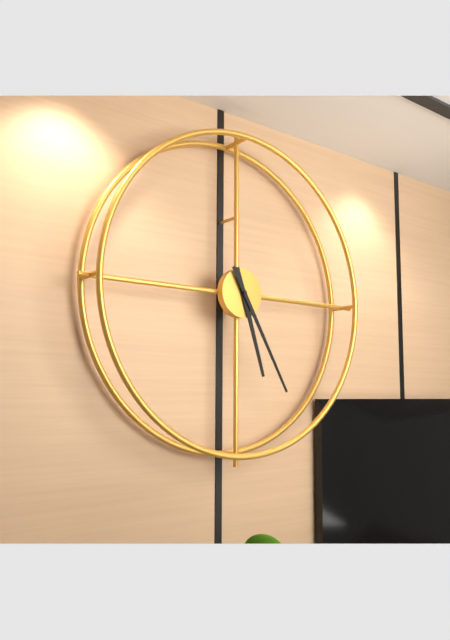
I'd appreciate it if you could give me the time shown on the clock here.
5:25
